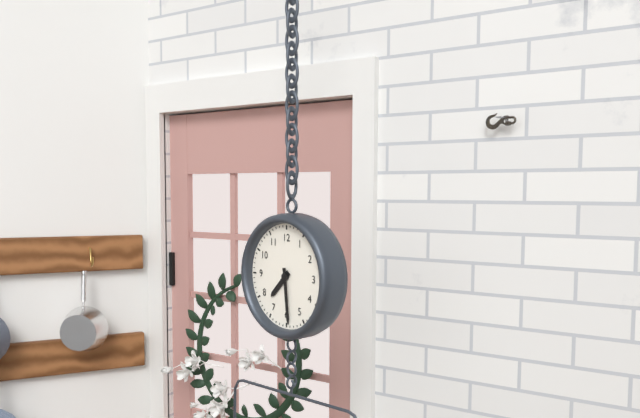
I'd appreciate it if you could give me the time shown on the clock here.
7:29
